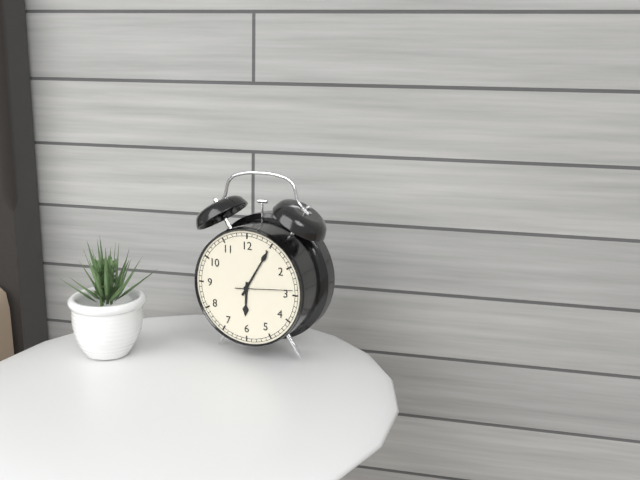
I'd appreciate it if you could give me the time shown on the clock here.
6:05
